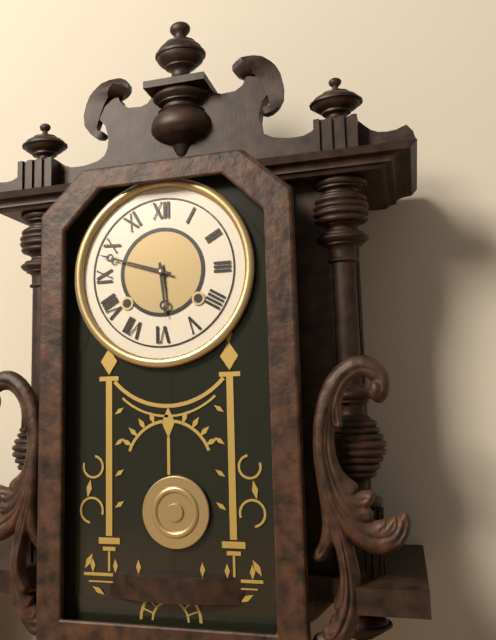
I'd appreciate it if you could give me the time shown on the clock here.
5:48
